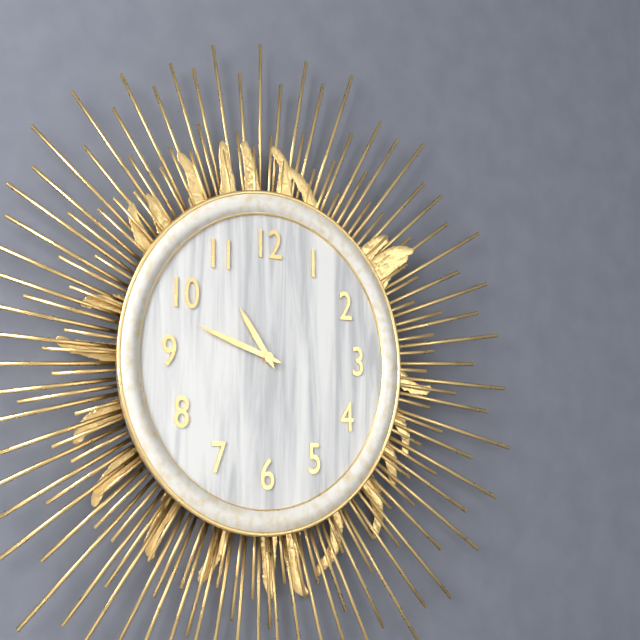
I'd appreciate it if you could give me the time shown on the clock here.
10:48
